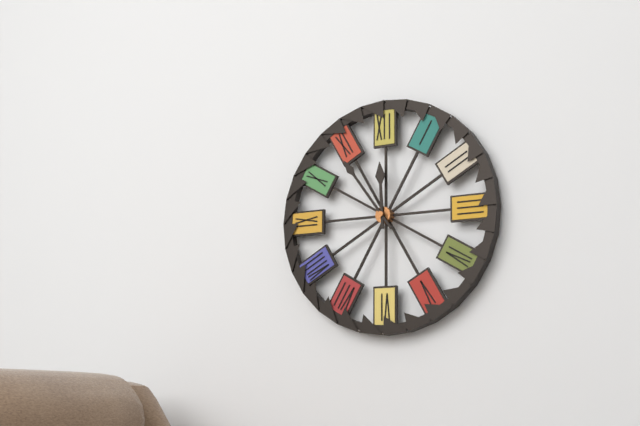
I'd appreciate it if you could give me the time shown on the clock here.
11:54
